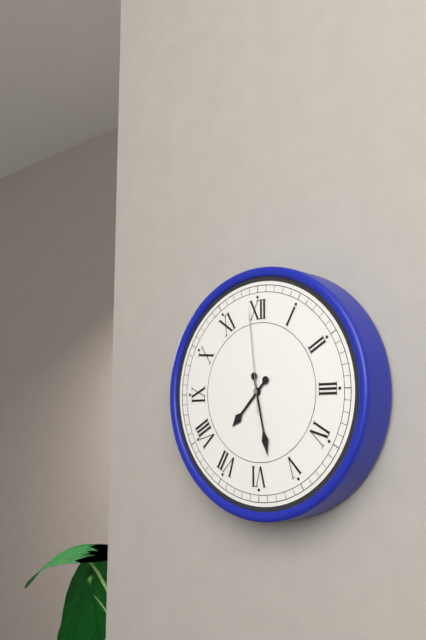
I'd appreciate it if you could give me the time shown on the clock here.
7:28:59
